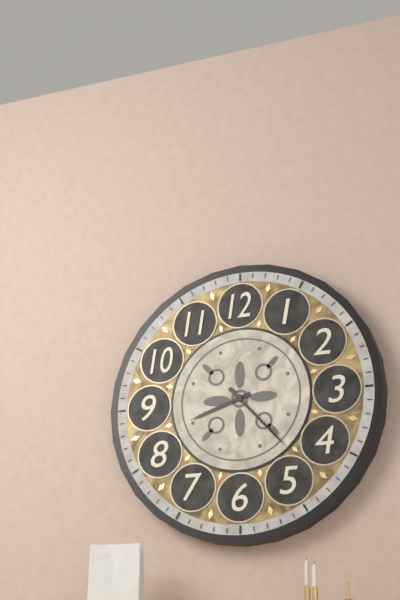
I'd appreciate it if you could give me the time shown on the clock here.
8:23
